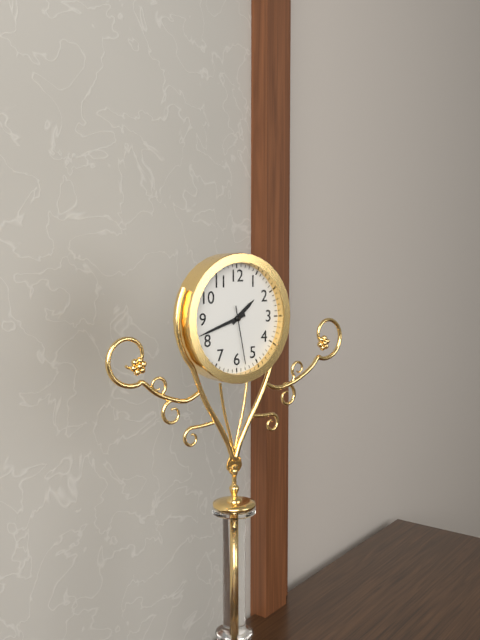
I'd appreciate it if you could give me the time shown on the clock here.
1:42:28
